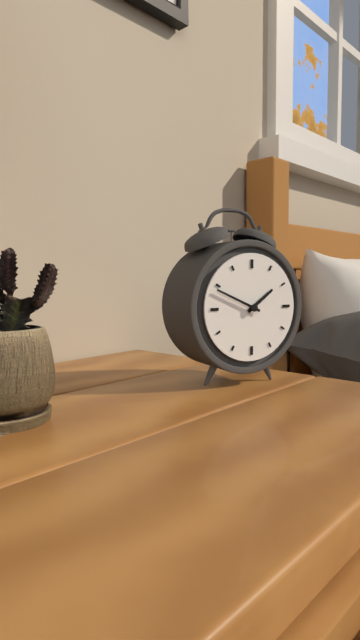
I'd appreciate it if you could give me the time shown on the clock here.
1:49
